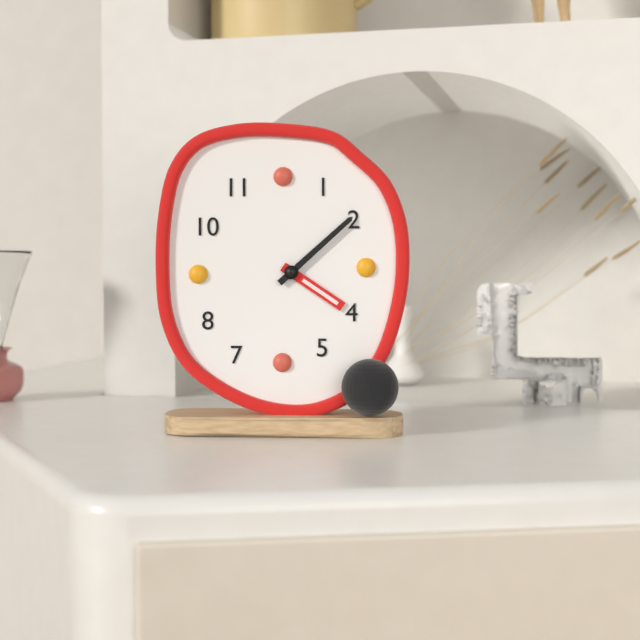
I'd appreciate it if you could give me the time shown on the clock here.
4:08
